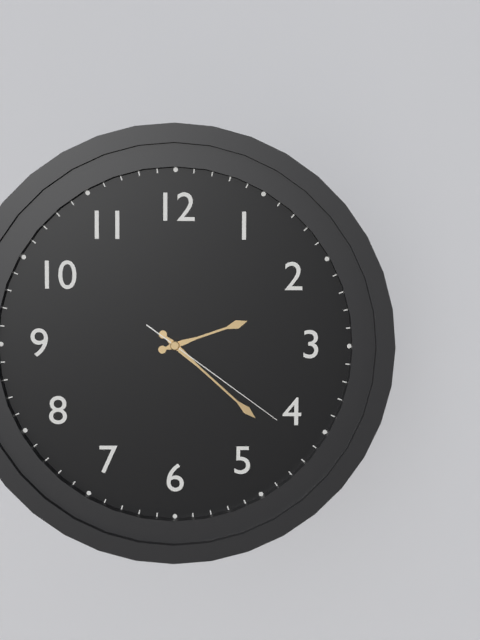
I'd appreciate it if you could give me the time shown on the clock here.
2:22:21
